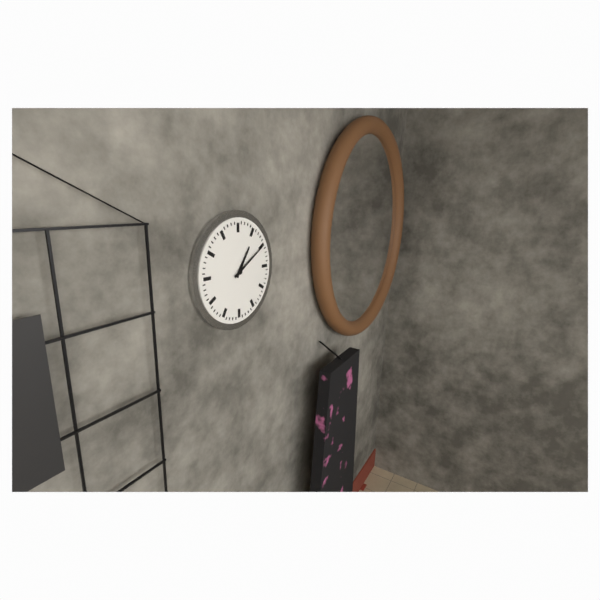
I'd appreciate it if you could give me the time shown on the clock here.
1:10
